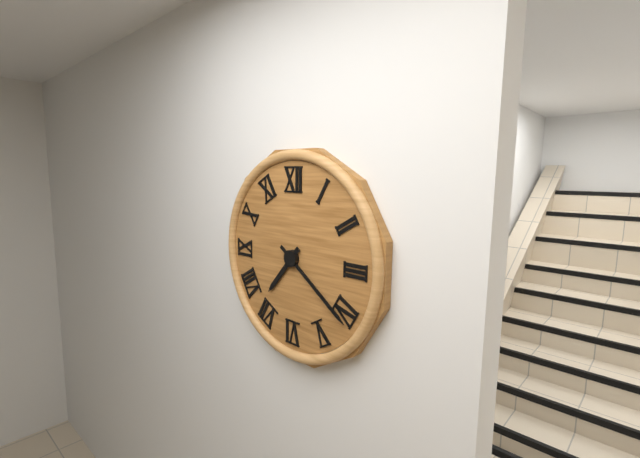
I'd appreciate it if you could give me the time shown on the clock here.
7:21
